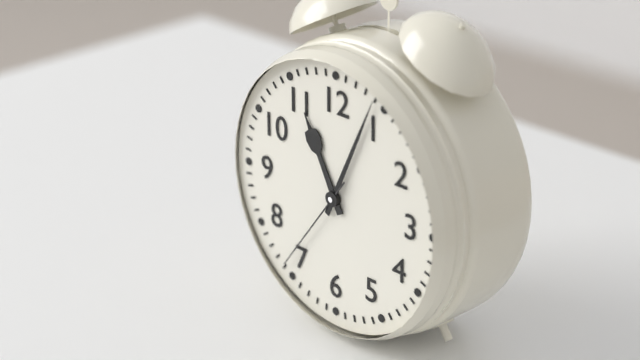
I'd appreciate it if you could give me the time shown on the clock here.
11:04:36
